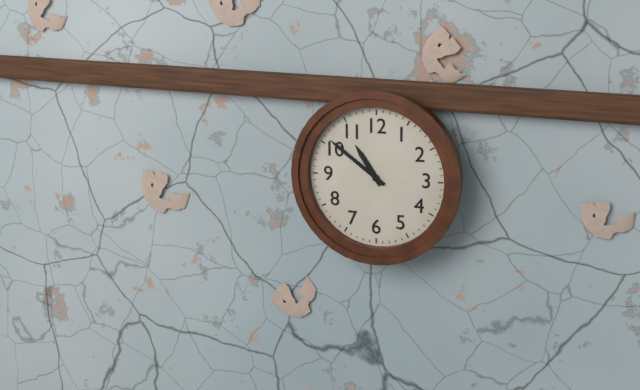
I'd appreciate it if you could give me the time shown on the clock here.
10:51
